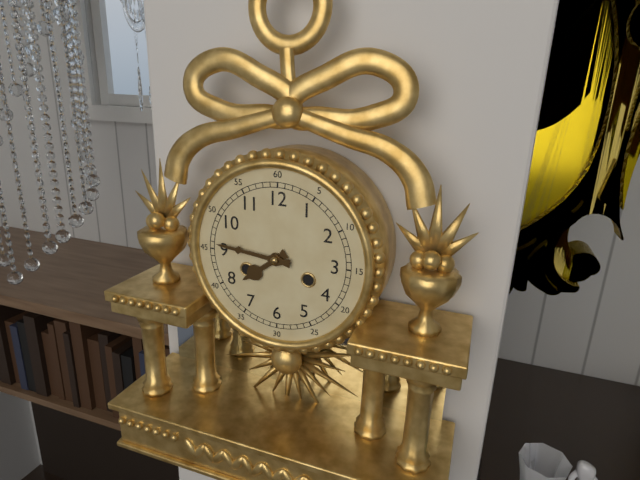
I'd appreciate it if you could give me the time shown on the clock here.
7:46
